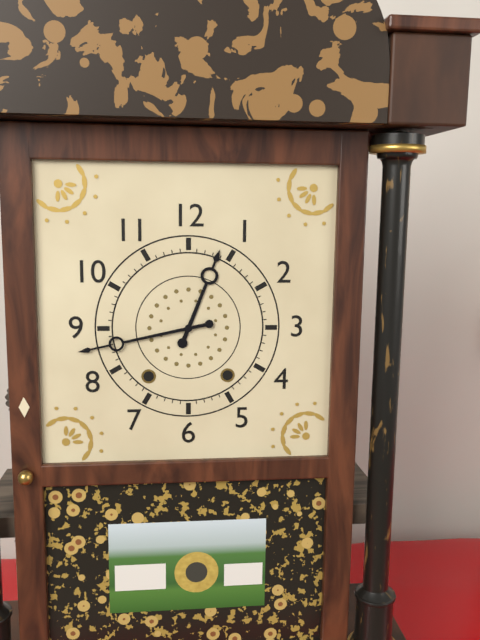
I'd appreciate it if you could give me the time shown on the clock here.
12:43
